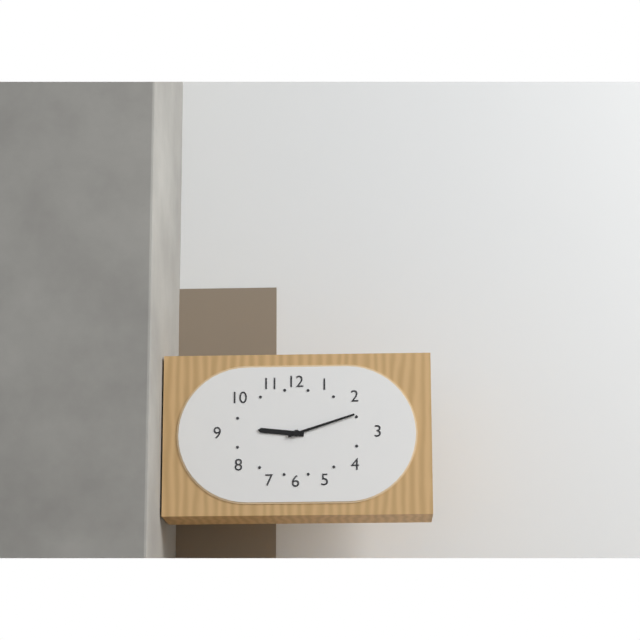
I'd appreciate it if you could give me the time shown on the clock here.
9:12
